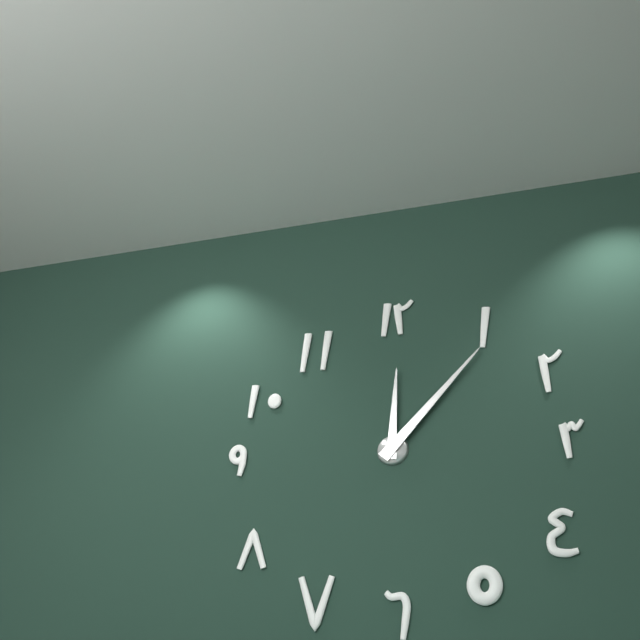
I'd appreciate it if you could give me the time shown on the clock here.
12:07
